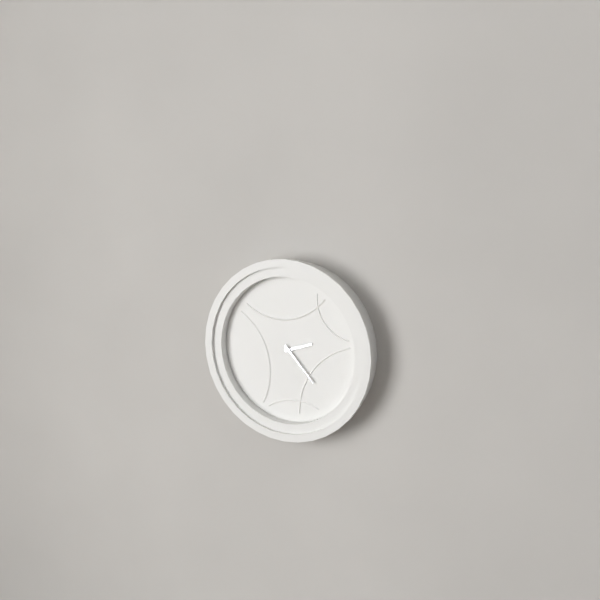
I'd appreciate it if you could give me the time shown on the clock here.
2:23
